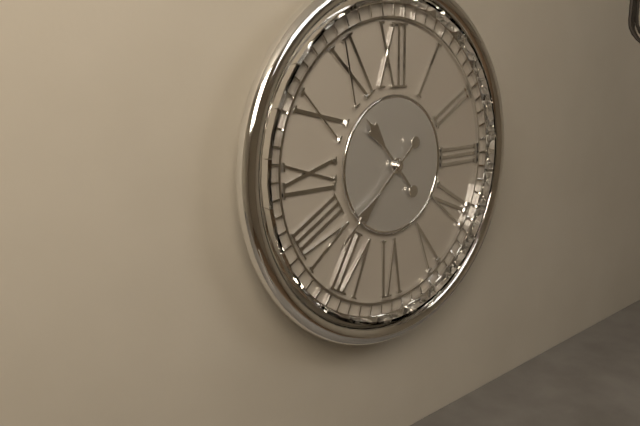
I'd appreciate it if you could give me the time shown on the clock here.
10:38
